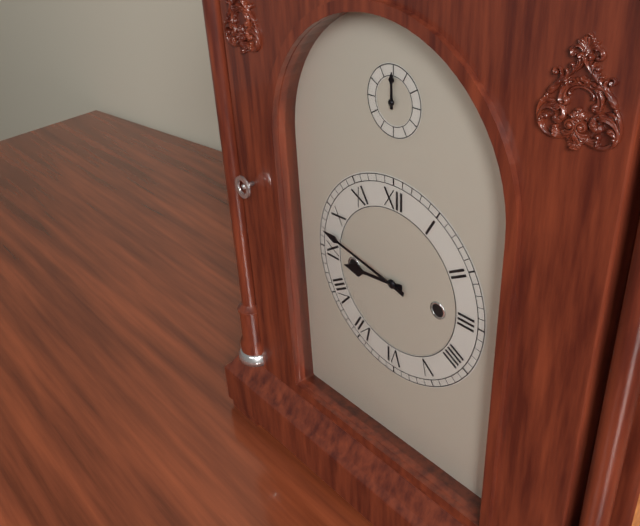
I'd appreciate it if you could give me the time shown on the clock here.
8:47
